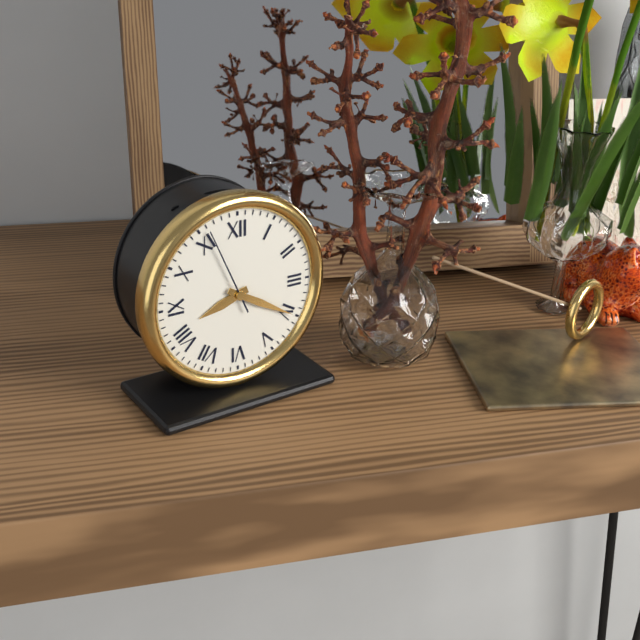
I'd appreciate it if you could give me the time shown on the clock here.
8:20:56
